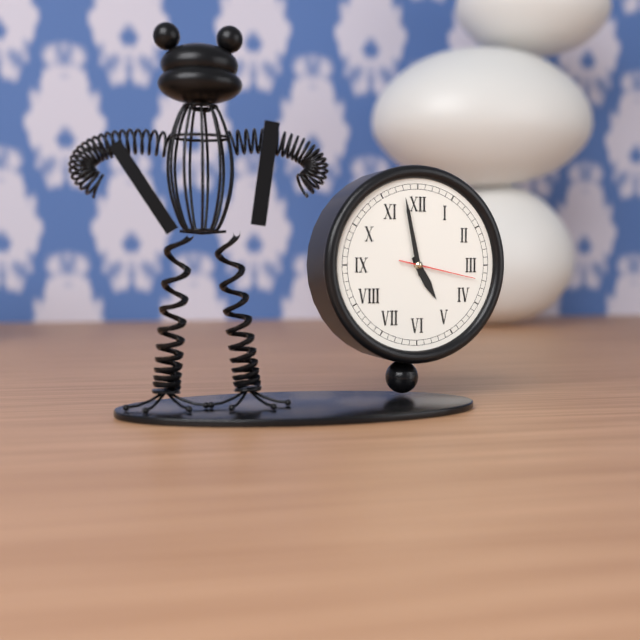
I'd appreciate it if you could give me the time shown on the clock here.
4:58:17
